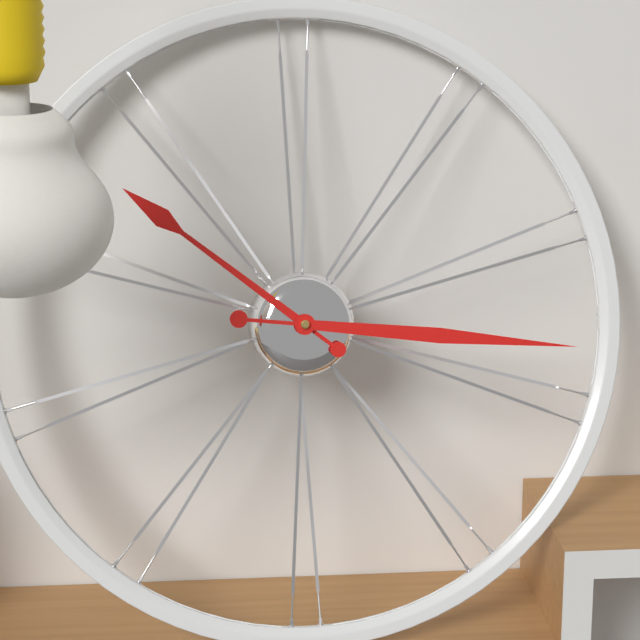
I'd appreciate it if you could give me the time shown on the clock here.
10:16
